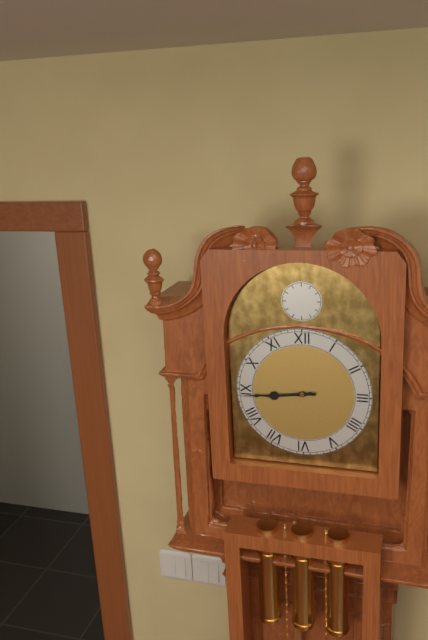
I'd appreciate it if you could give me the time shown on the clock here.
8:44
